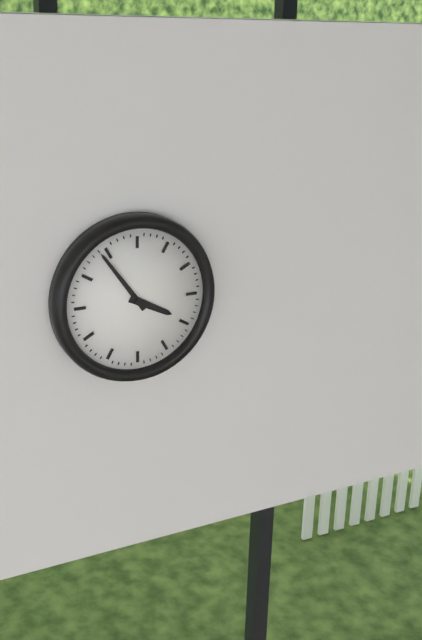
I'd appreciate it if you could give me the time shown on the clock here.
3:54
